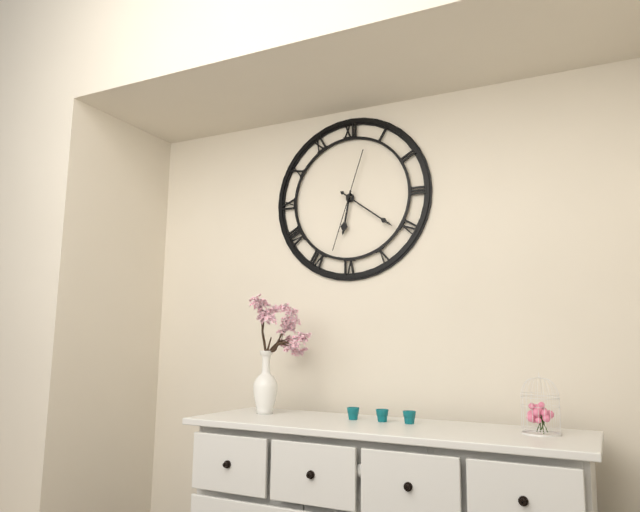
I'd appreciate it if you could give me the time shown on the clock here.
6:21:33
